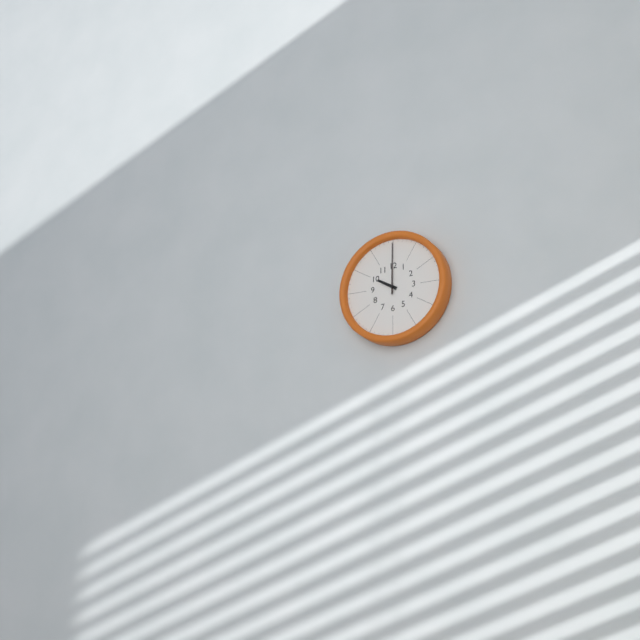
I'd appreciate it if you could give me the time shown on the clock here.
10:00
